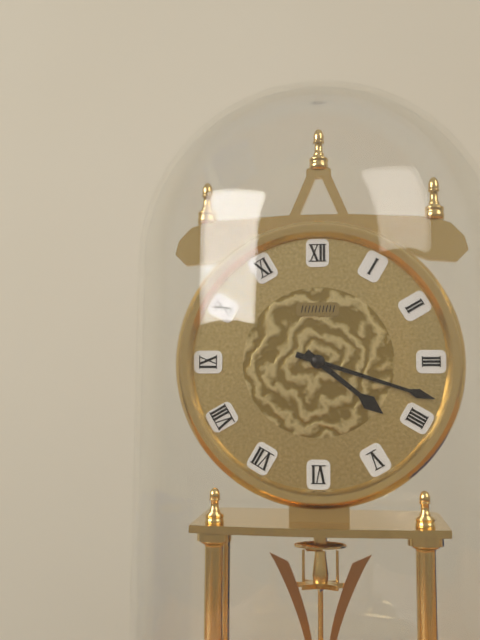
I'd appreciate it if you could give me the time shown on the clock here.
4:18
